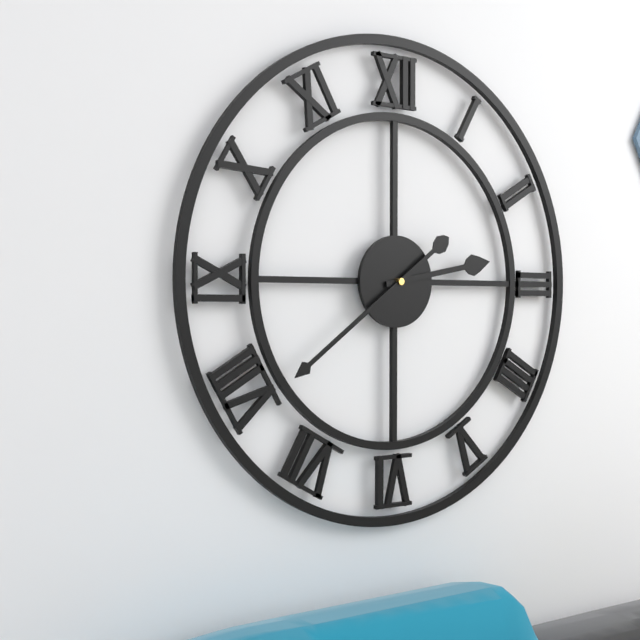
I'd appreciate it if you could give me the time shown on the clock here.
2:39
